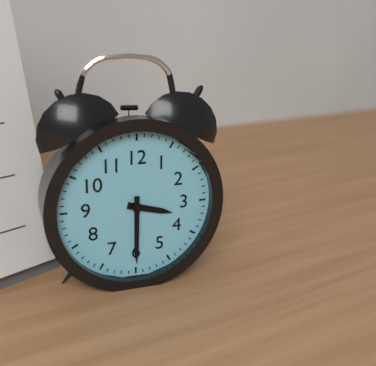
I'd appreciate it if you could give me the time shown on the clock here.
3:30
